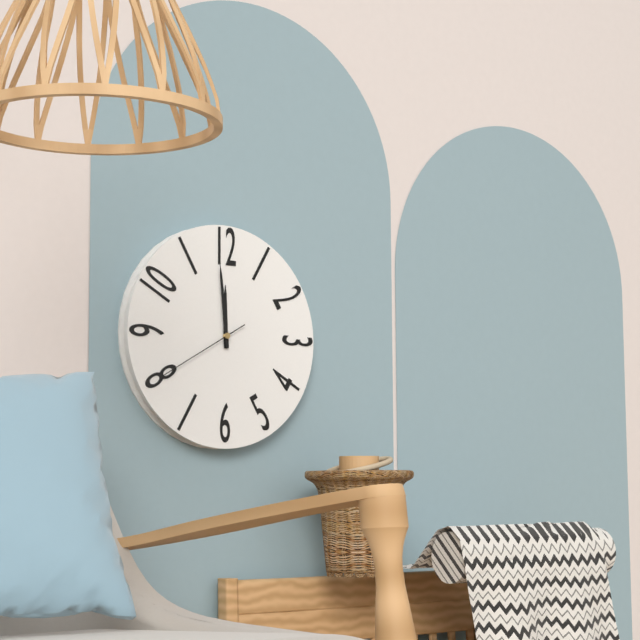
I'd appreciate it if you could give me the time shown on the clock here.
11:59:40
